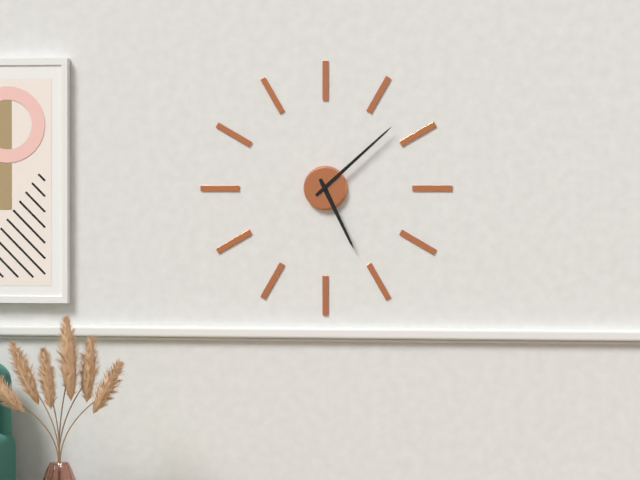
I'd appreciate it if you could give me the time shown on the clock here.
5:08
